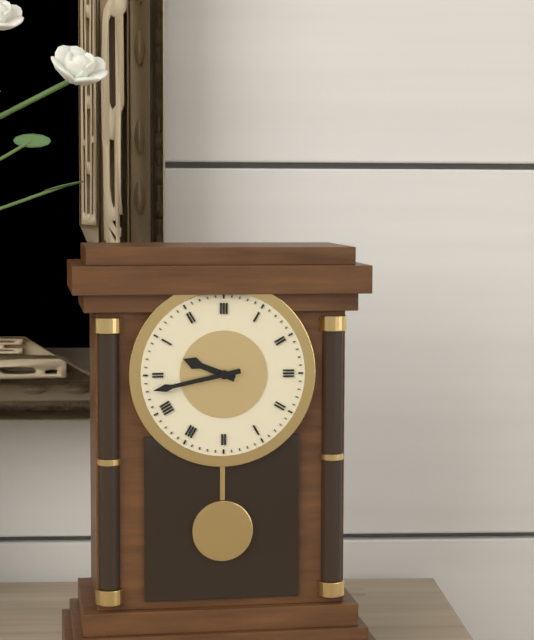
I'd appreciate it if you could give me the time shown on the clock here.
9:43
